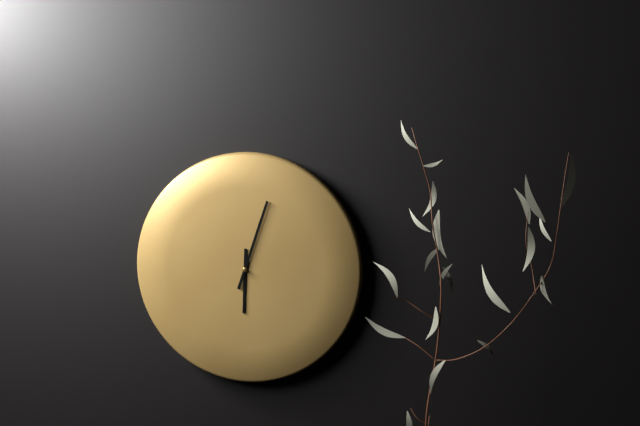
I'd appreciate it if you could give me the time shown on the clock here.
6:03
